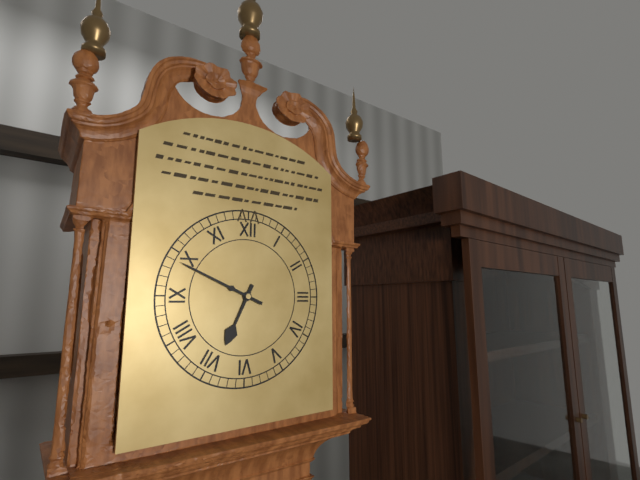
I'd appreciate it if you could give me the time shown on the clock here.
6:49
